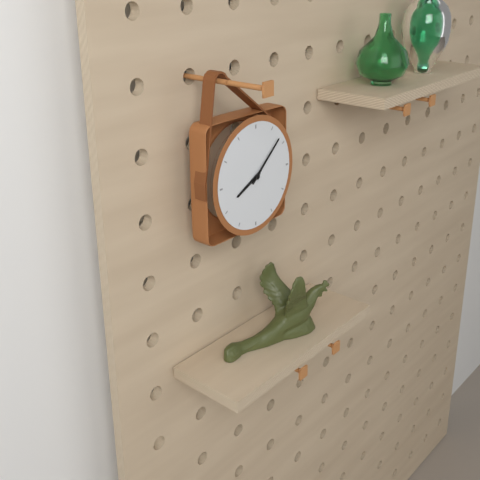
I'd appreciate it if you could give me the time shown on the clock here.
8:08
